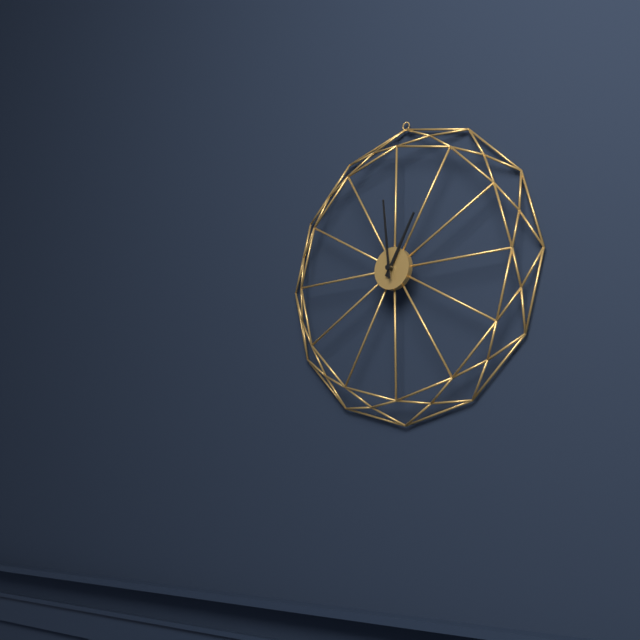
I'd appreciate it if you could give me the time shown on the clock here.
12:59
